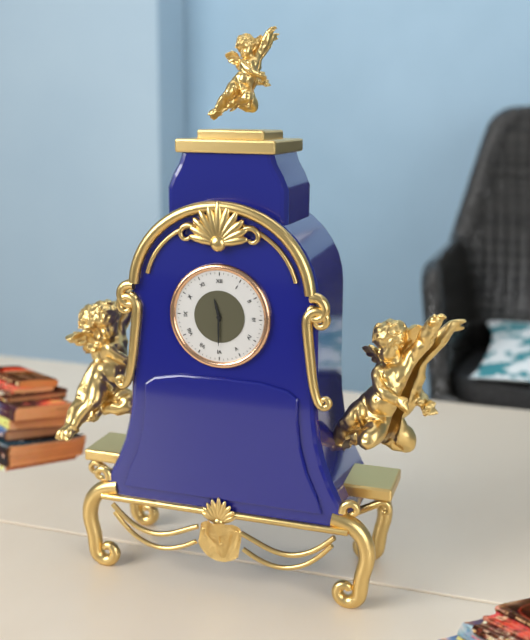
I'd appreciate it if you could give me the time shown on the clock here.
11:30
